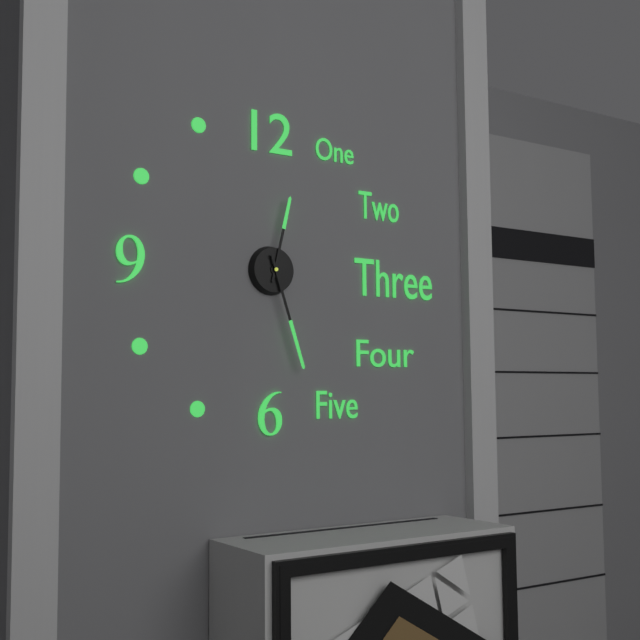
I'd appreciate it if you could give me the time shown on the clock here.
12:27
